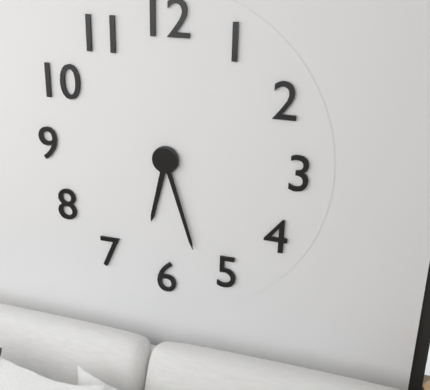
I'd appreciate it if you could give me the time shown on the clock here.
6:27
